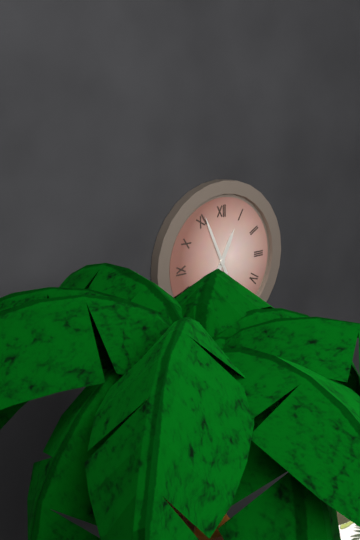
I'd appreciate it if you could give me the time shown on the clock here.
12:56
